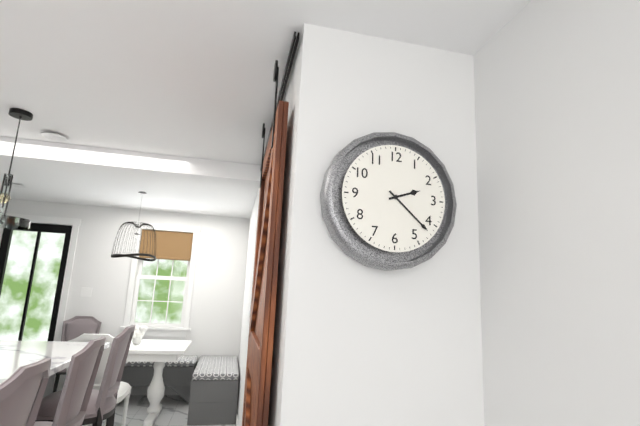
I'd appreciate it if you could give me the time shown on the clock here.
2:22
